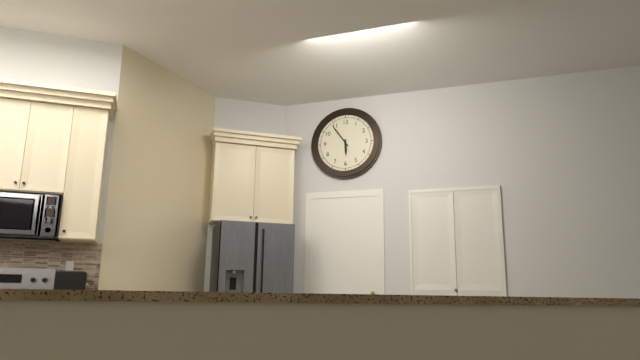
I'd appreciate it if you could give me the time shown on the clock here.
5:54
